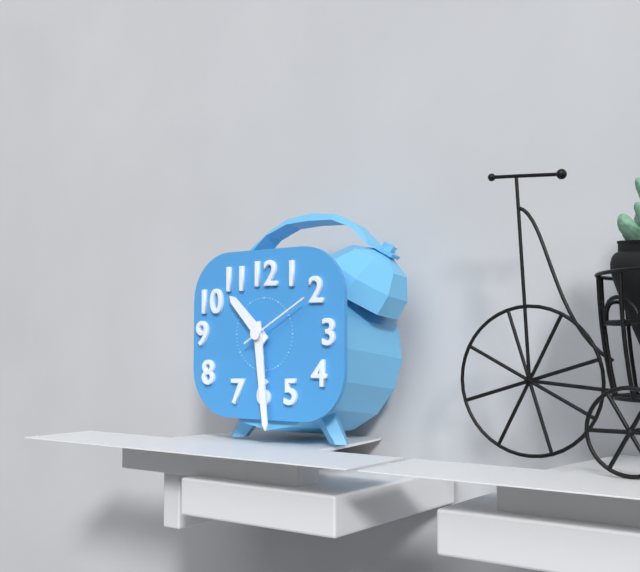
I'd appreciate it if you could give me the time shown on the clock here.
10:29:10
